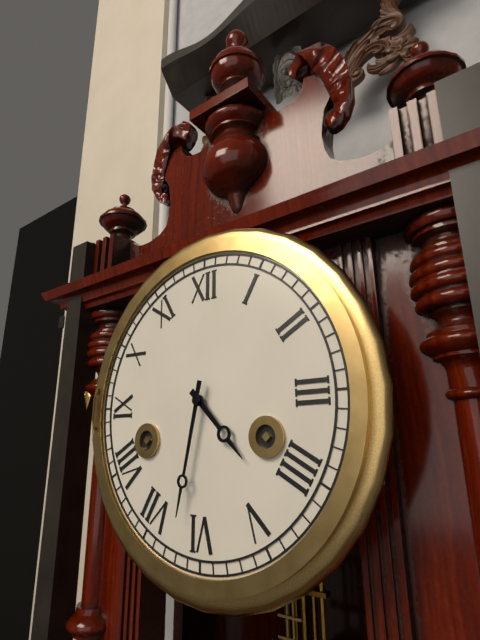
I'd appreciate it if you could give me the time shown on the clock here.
4:32
